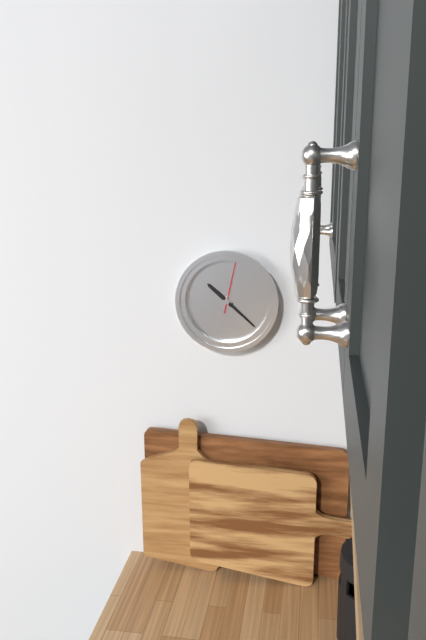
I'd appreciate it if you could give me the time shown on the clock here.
10:22
